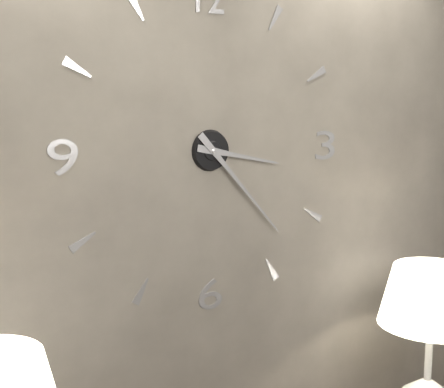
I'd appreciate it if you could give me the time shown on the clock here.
3:23
